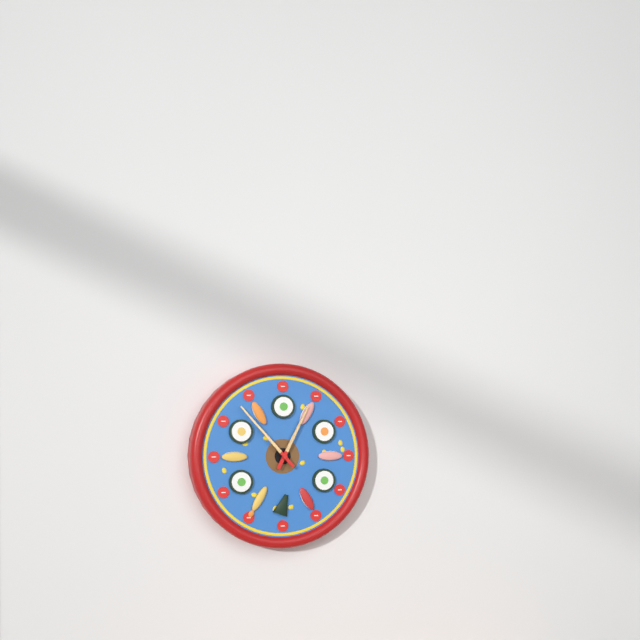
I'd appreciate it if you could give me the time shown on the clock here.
12:53
